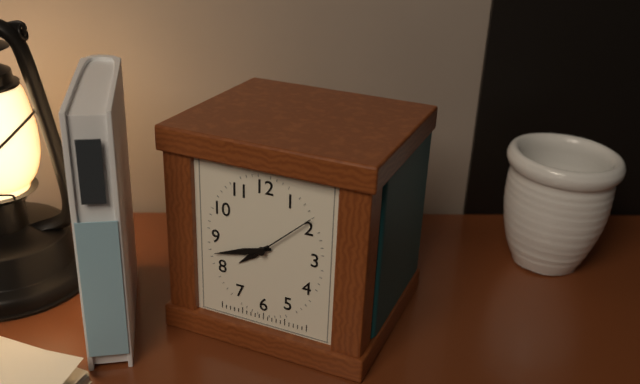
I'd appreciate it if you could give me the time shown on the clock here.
7:42:08
